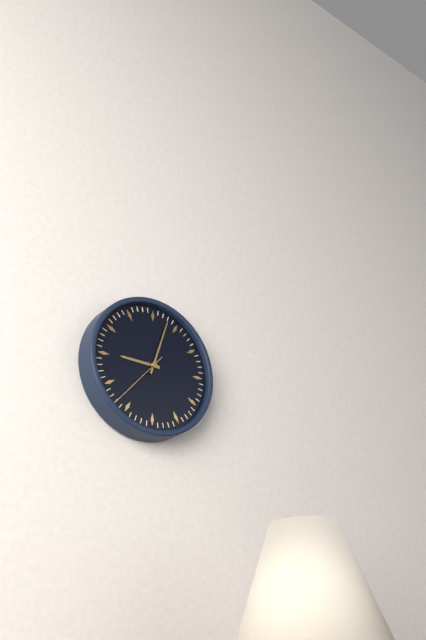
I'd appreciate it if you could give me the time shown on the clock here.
9:03:37
